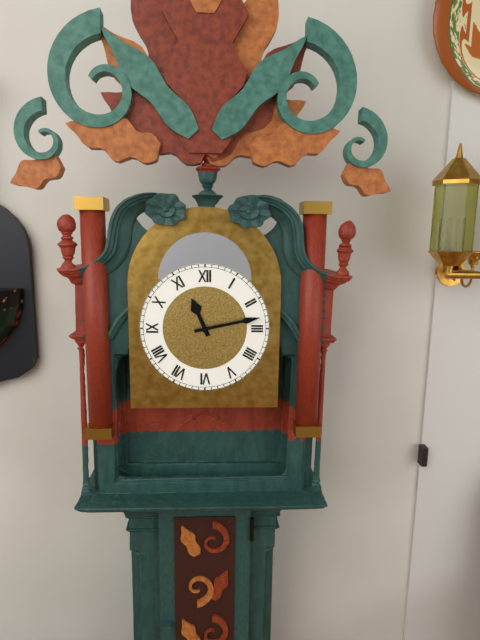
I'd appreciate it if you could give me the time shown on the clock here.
11:13
